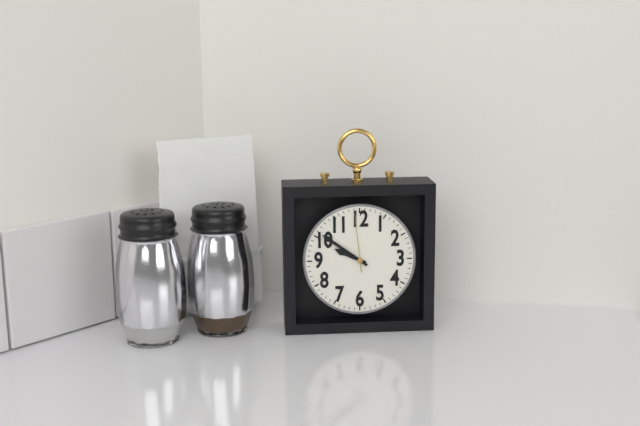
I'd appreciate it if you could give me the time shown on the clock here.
9:51:59
